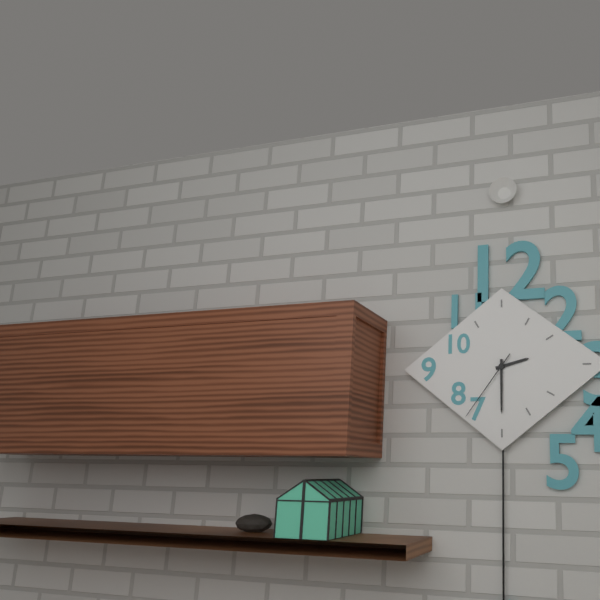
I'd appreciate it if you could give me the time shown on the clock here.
2:30:36
